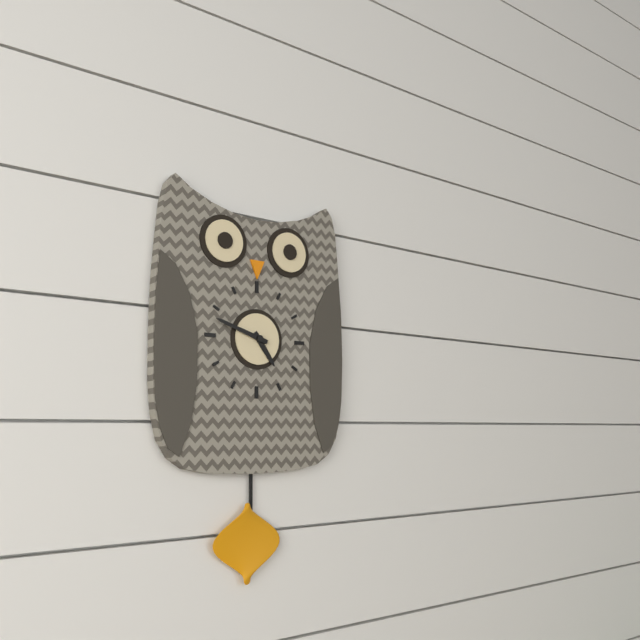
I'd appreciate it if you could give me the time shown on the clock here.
4:48
